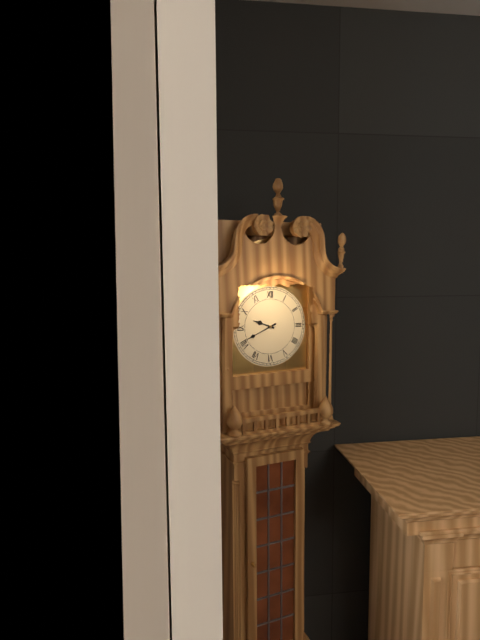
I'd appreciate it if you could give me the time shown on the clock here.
9:41
